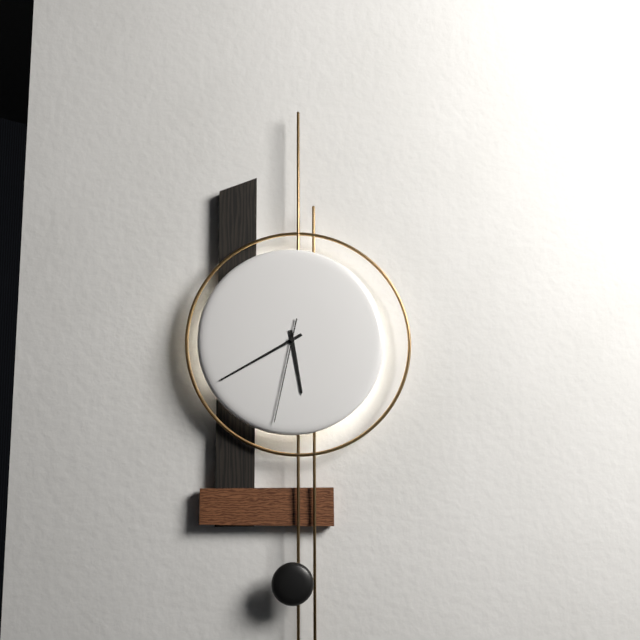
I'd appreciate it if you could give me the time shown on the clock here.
5:40:32
